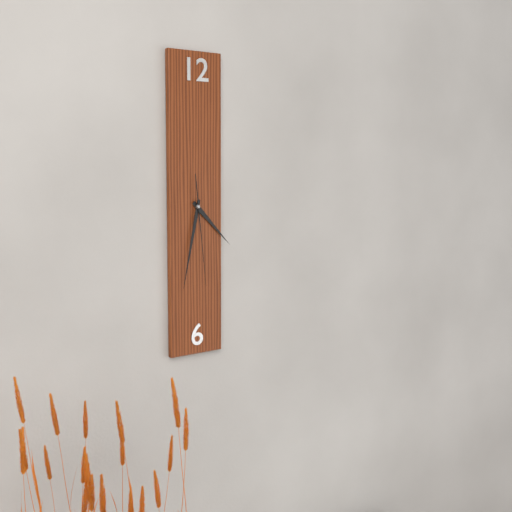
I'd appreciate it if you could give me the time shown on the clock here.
4:32:29
